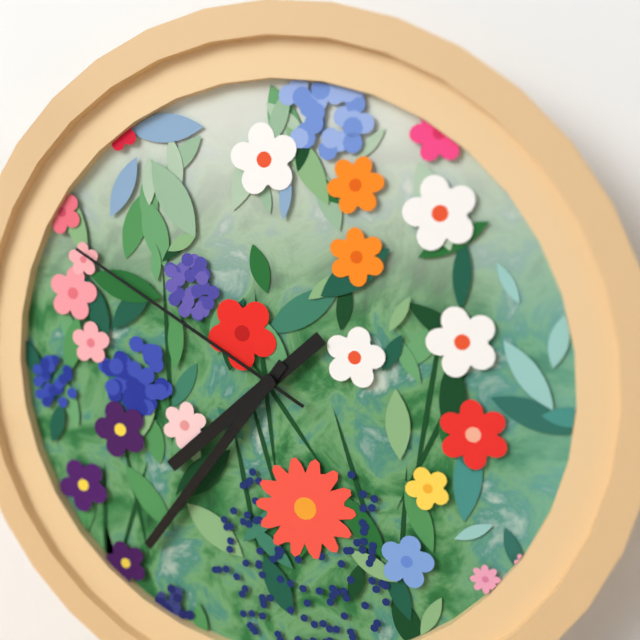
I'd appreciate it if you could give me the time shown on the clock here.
7:36:50
